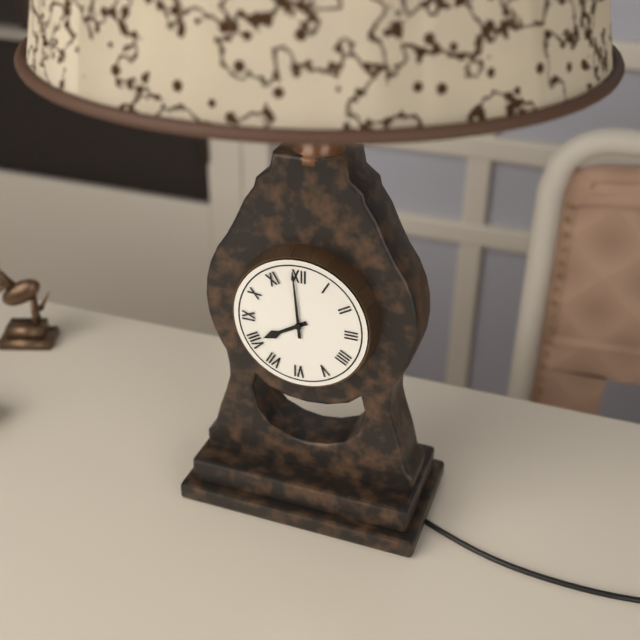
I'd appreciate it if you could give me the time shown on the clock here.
7:59
